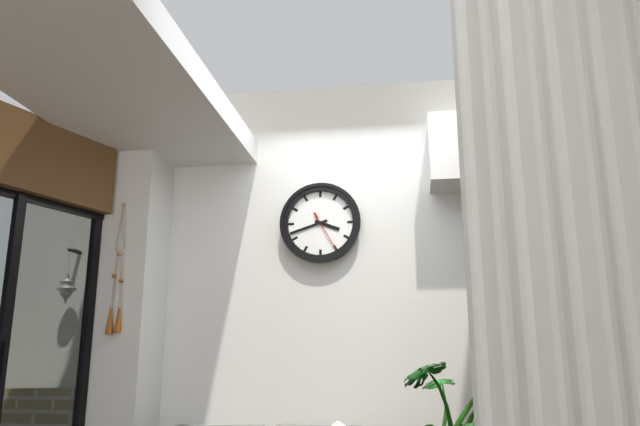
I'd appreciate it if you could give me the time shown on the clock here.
3:42
